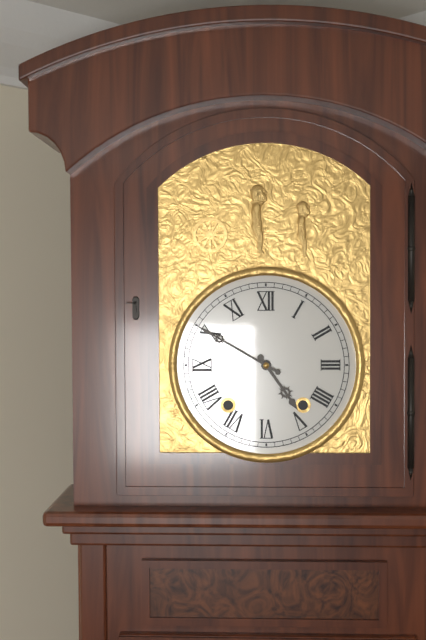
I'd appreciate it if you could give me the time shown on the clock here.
4:50
